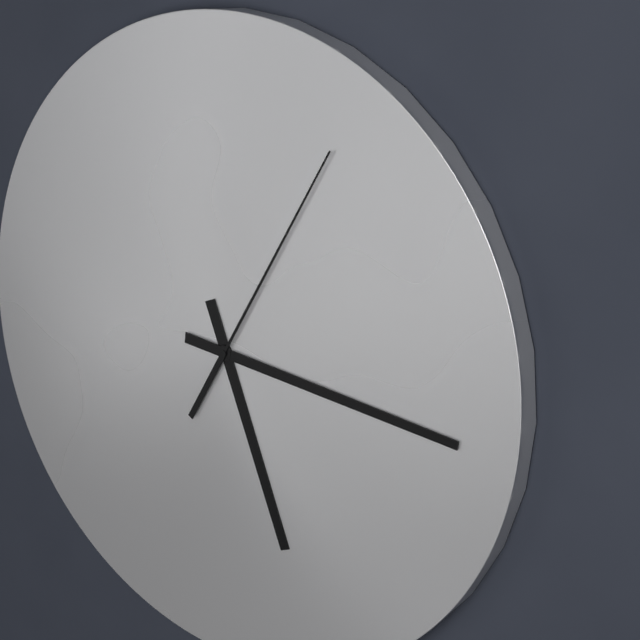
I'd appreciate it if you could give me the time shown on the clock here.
5:16:05
